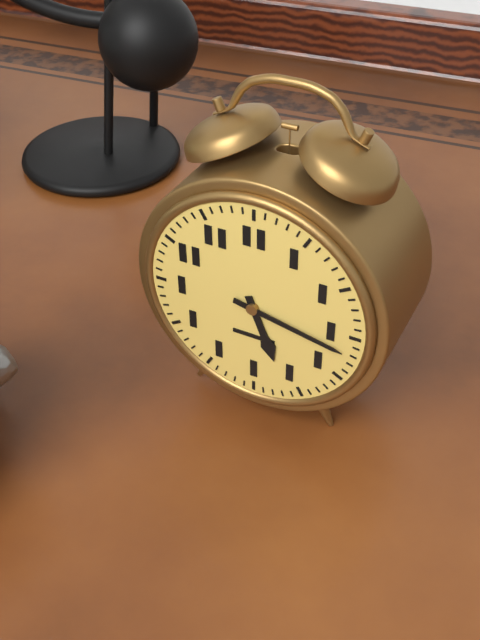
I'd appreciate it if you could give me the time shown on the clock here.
5:17
